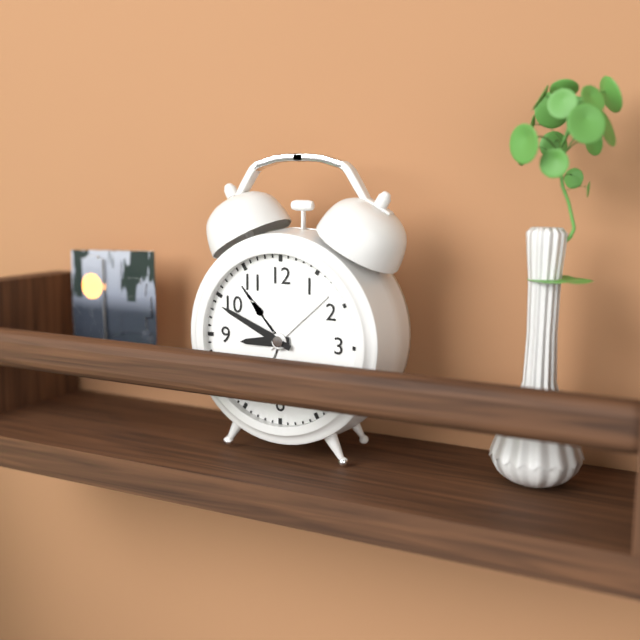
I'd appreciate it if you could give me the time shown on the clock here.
8:49
